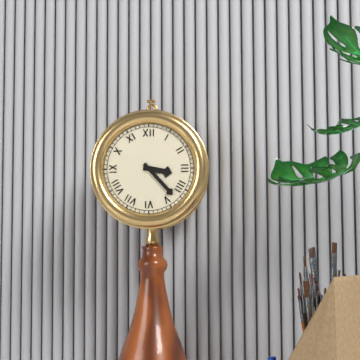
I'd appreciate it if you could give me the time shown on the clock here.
3:23
